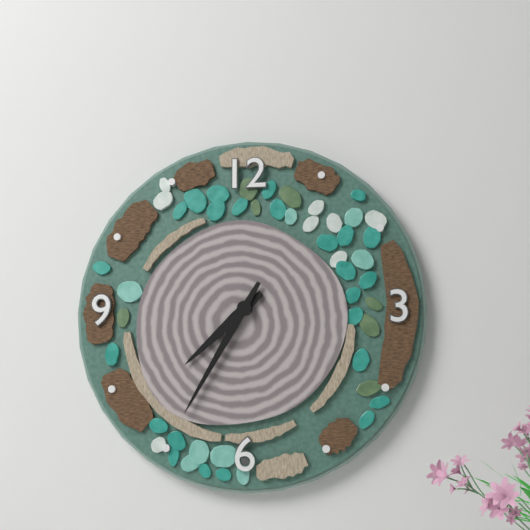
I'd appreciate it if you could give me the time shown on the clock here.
7:35
